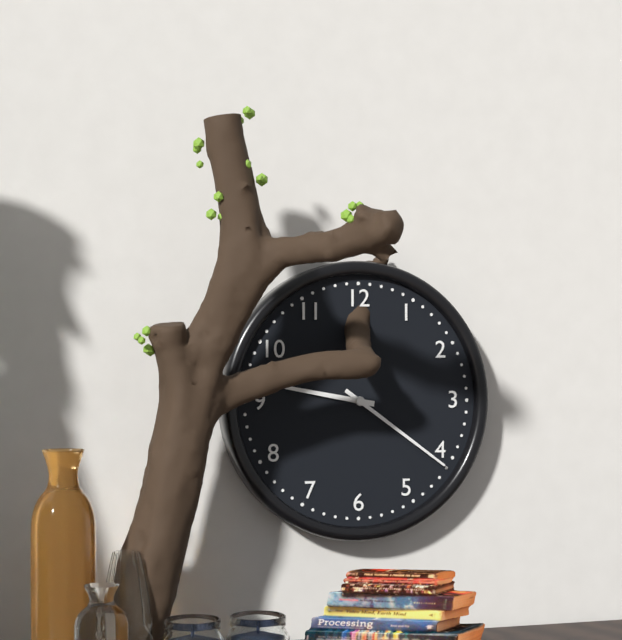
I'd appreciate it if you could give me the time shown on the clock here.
9:21
